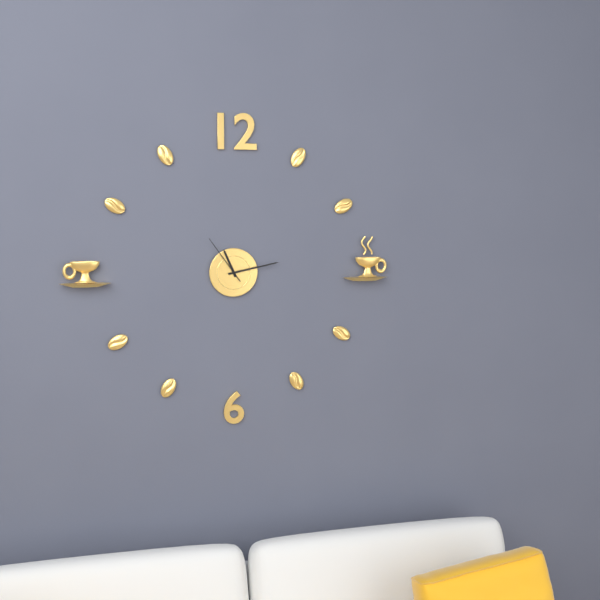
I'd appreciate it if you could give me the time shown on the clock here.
11:13:54
